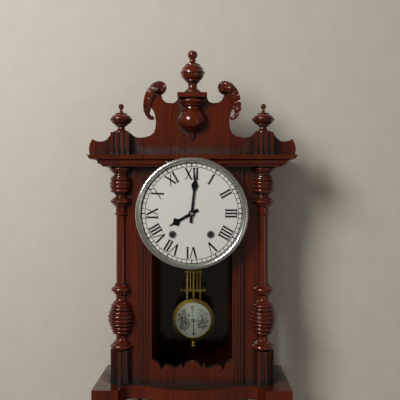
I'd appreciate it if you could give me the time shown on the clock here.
8:01
